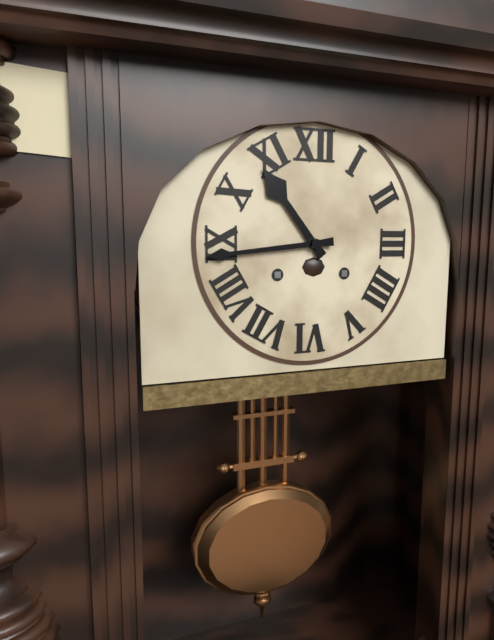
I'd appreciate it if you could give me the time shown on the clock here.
10:44
